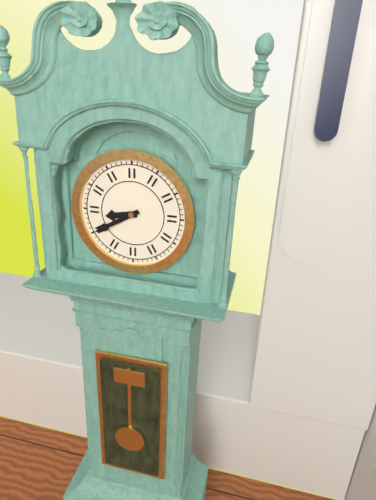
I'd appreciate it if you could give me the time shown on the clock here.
8:40
